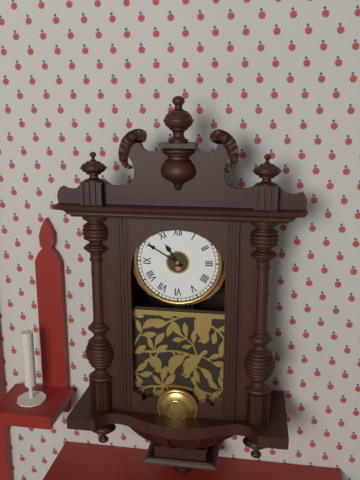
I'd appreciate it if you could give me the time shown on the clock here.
10:50
